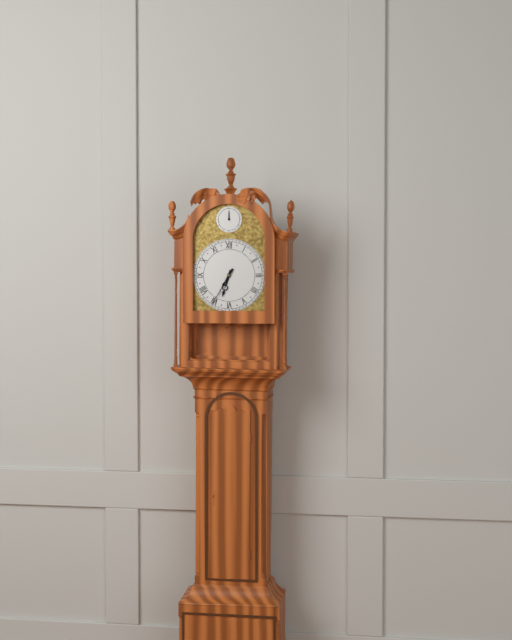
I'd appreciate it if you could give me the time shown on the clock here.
6:35
